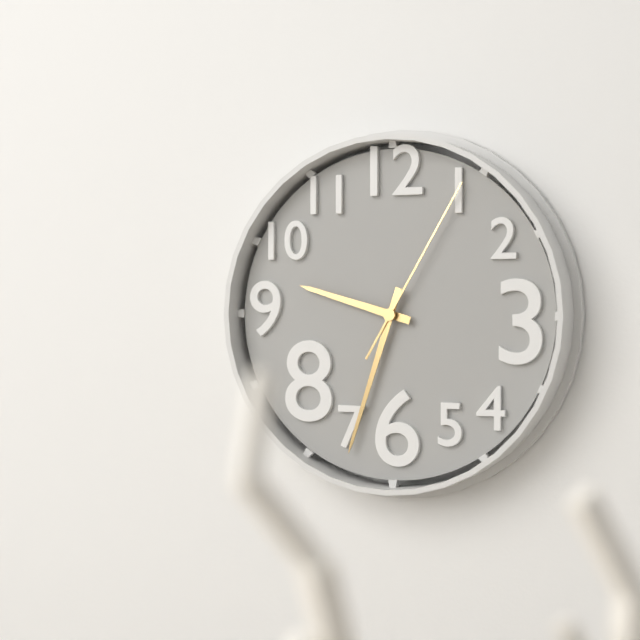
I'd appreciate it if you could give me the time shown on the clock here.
9:33:05
